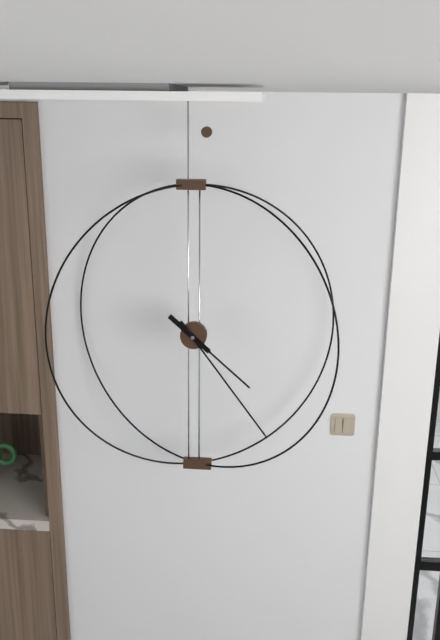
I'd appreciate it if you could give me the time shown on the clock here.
4:24
